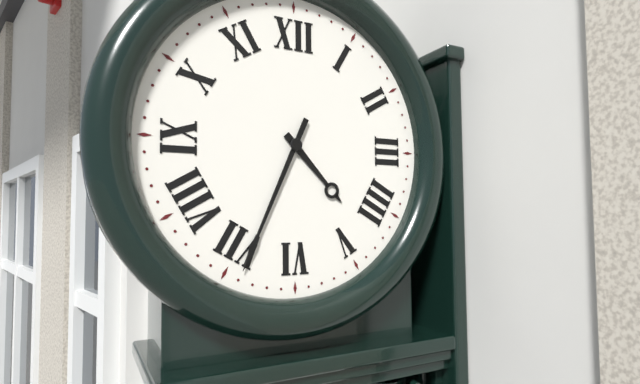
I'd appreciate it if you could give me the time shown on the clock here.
4:34
